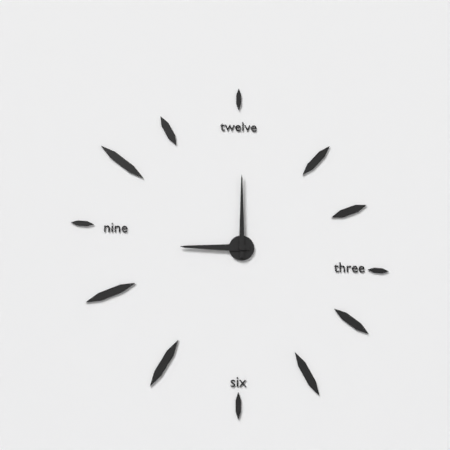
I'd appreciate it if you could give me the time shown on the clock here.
9:00
